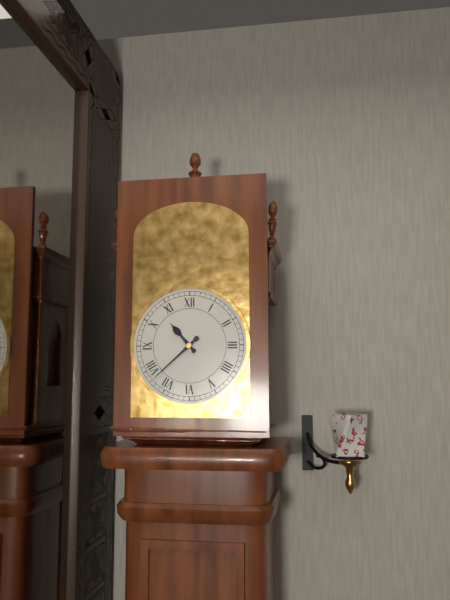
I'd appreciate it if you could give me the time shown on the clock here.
10:38
